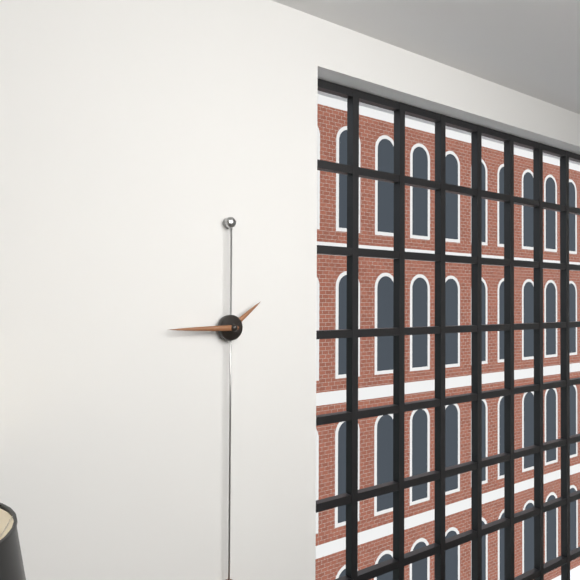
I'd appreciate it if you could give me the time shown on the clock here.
1:45
